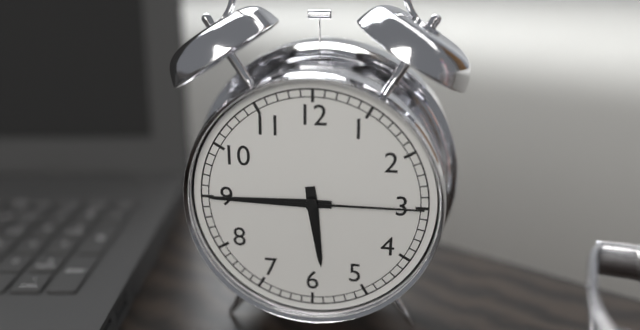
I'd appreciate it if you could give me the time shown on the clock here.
5:45:15
